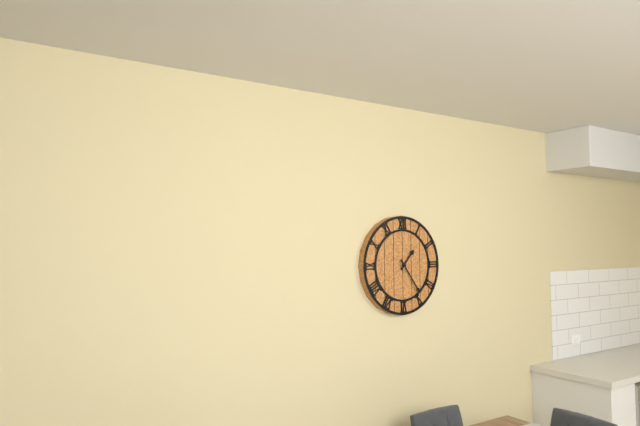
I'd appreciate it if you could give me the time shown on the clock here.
1:24
